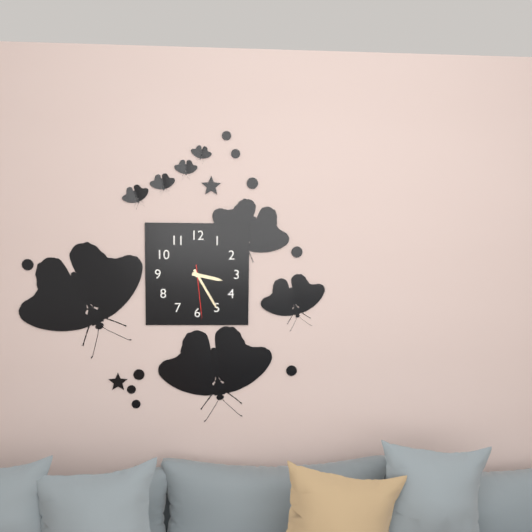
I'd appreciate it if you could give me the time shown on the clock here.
3:25:29
